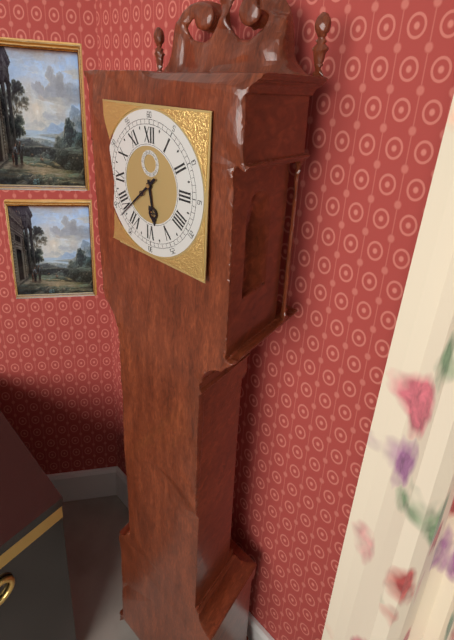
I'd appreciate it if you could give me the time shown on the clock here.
5:38
